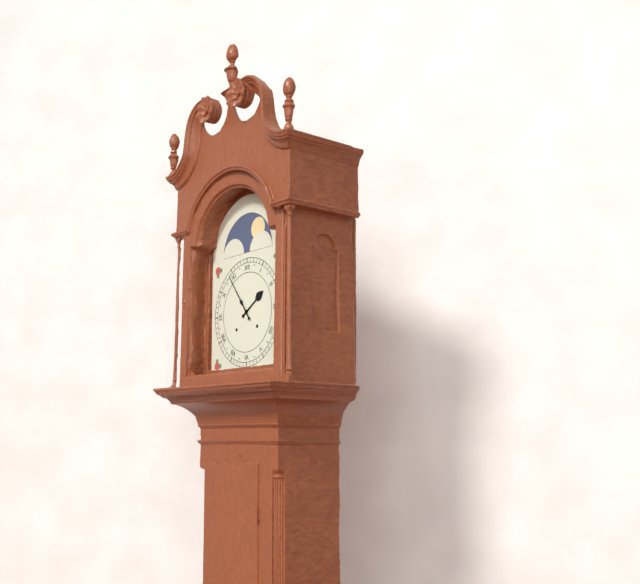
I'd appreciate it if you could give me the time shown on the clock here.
1:54
